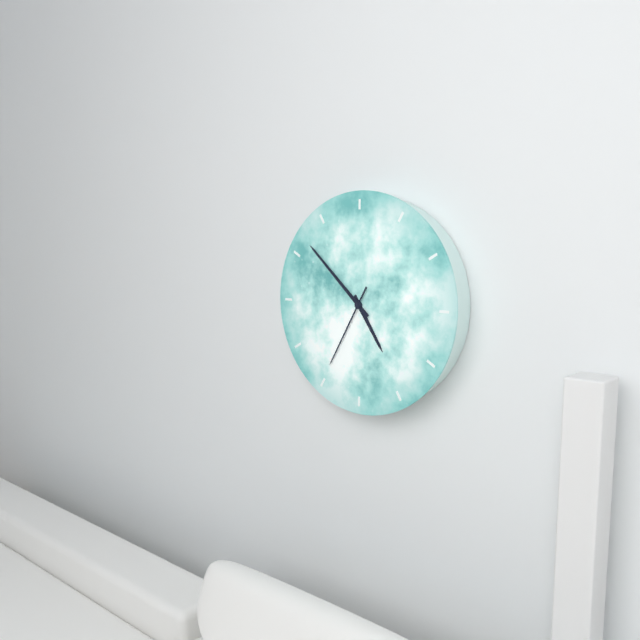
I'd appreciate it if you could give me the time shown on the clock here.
4:52:35
